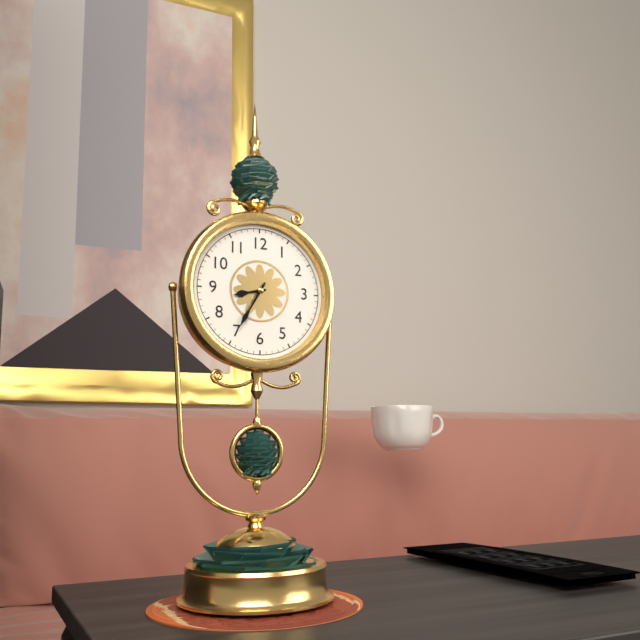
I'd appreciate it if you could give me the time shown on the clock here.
8:35
